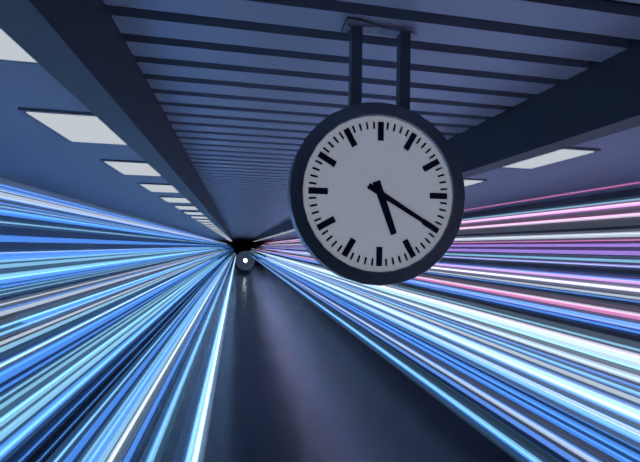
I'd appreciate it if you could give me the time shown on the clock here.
5:20
